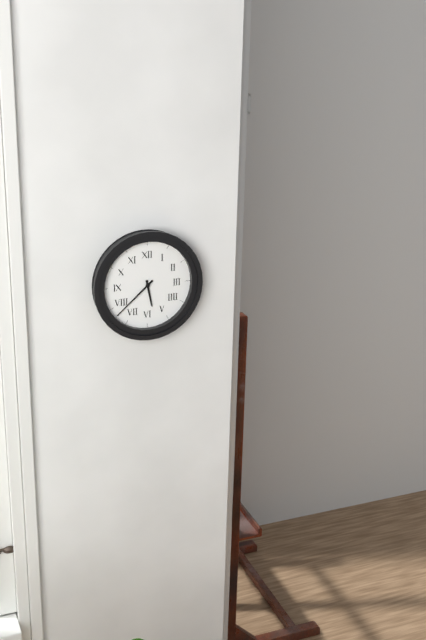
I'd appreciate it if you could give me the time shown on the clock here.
5:38
